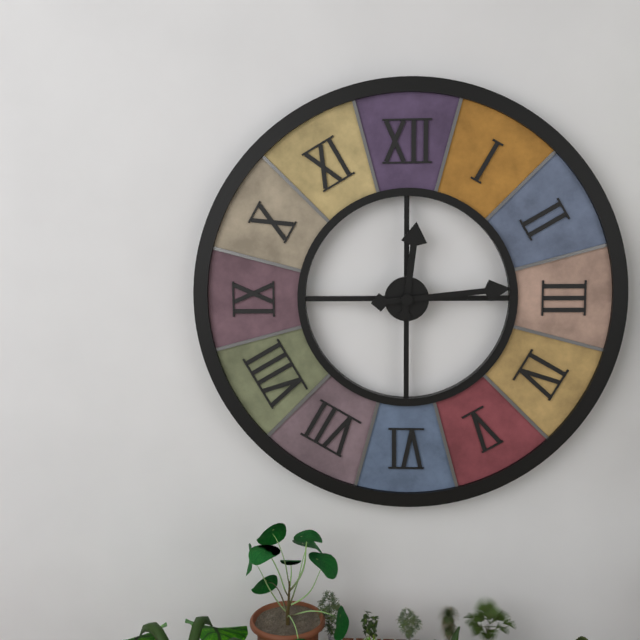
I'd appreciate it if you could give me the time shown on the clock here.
12:14
